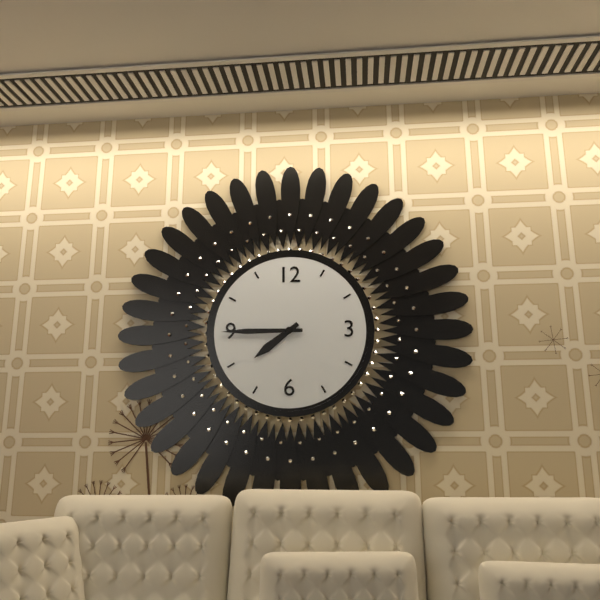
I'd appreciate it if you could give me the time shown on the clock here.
7:45
